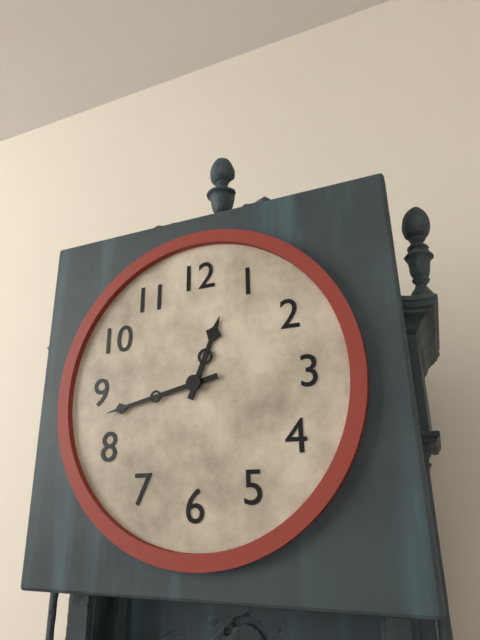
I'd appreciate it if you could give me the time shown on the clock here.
12:43
